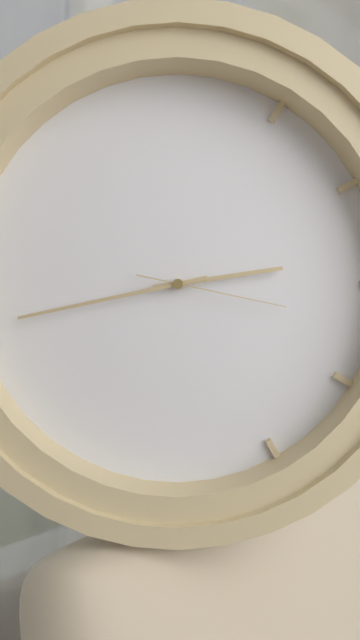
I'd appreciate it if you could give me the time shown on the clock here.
2:43:17
